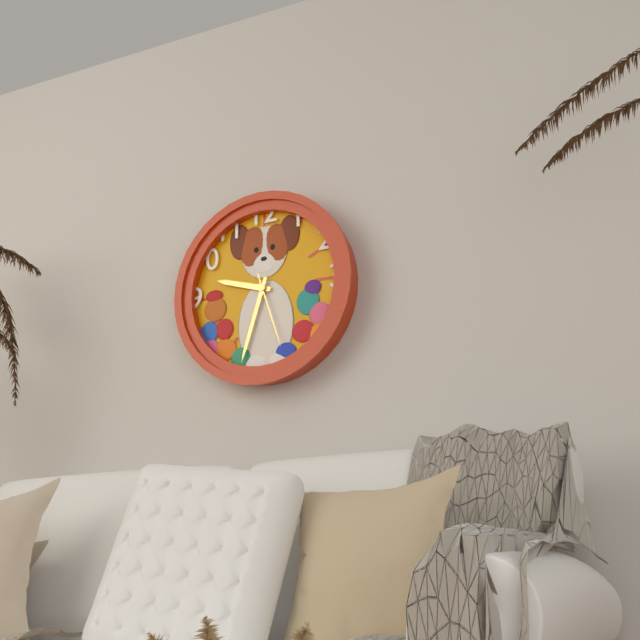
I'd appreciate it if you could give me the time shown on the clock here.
9:33:27
